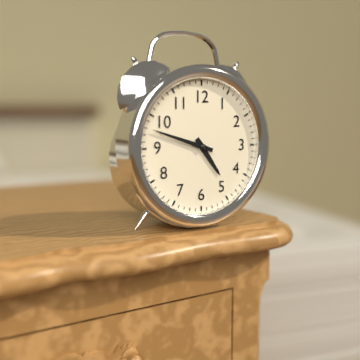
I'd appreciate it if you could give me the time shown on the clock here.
4:48
